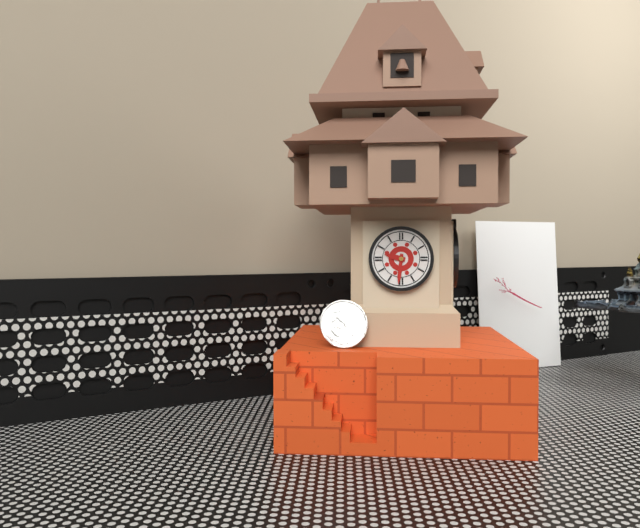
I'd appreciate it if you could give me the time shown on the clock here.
9:31
